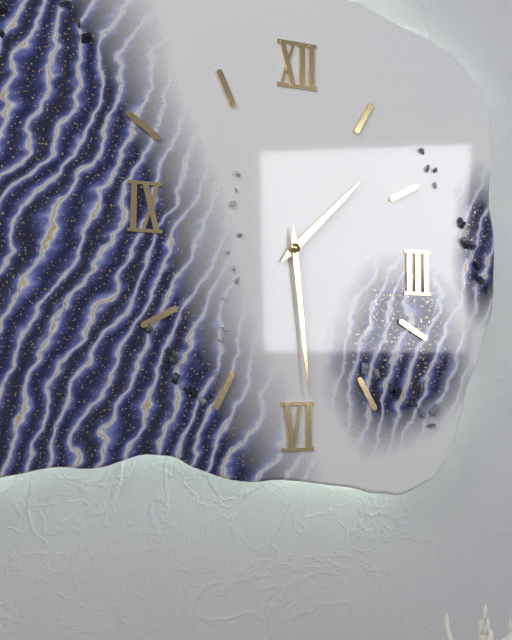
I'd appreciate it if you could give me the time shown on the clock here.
1:29
